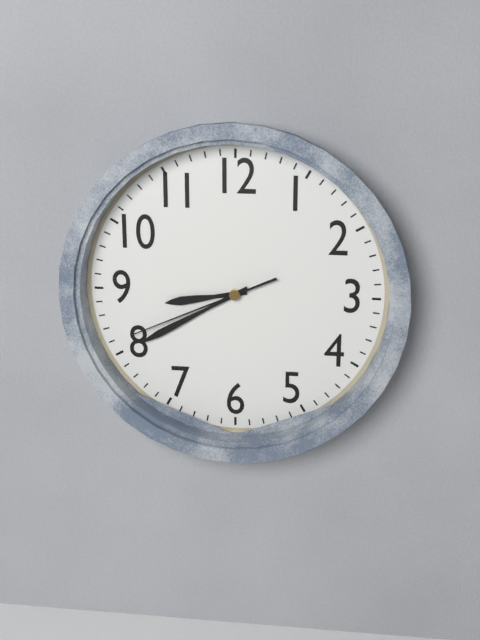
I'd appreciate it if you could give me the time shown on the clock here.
8:40:41
